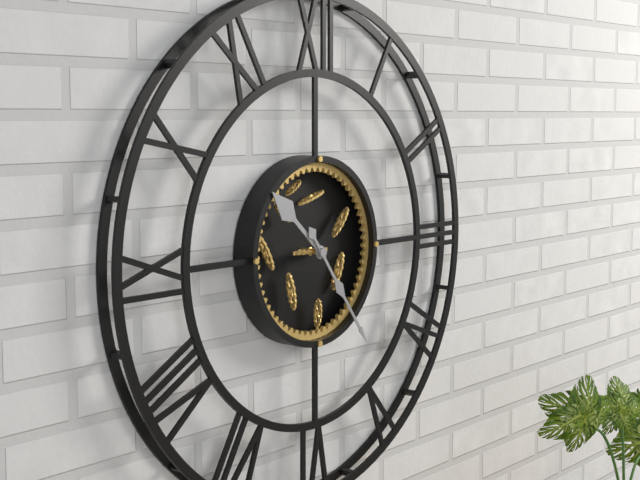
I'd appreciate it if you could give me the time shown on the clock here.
10:24
